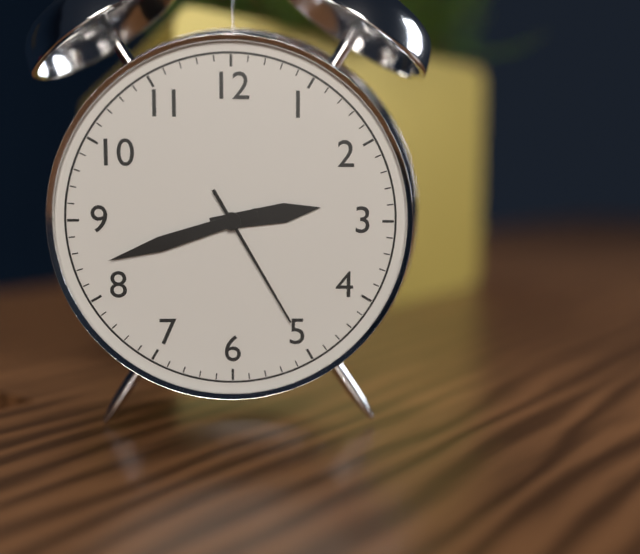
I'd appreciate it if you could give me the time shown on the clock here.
2:42:25
